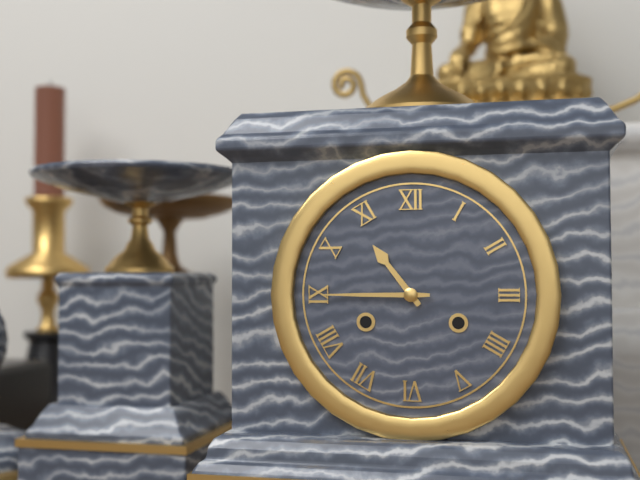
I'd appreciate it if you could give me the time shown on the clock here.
10:45
